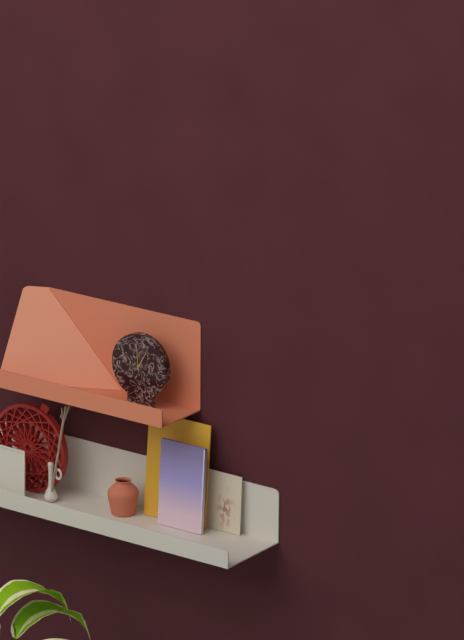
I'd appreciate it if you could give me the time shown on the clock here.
12:59
